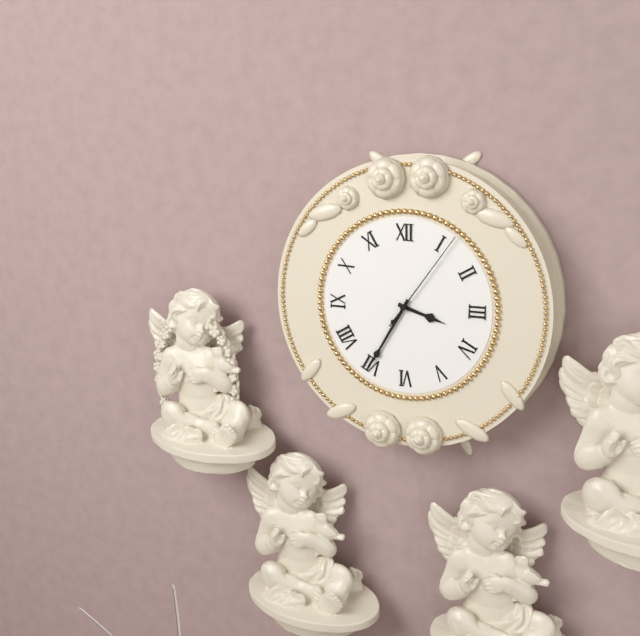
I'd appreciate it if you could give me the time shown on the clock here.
3:35:06
